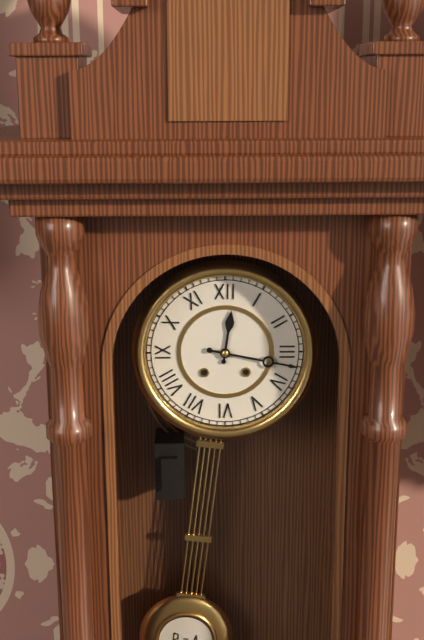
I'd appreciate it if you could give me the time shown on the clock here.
12:17
